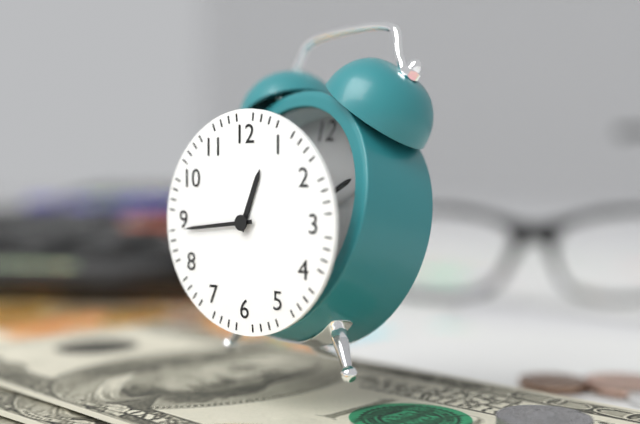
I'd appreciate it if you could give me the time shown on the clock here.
12:44
